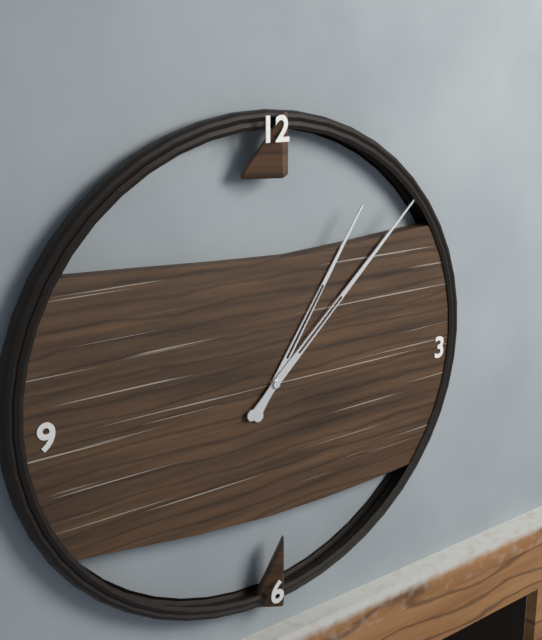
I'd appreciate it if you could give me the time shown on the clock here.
1:08
